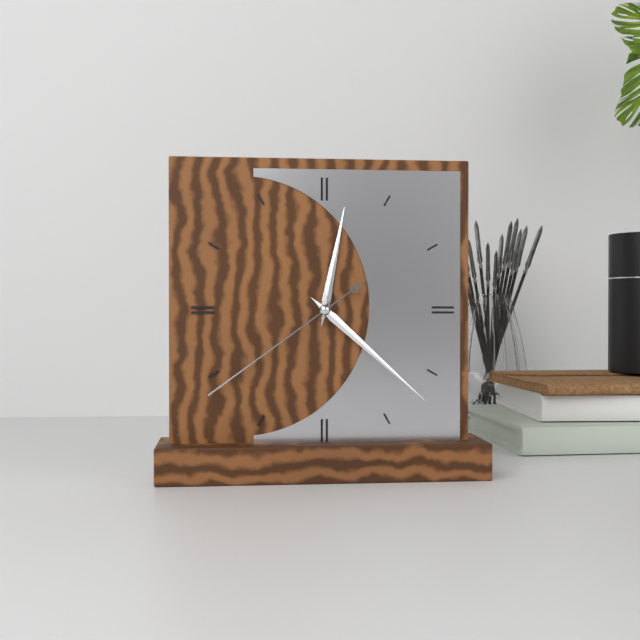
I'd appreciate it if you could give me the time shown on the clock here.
12:22:39
